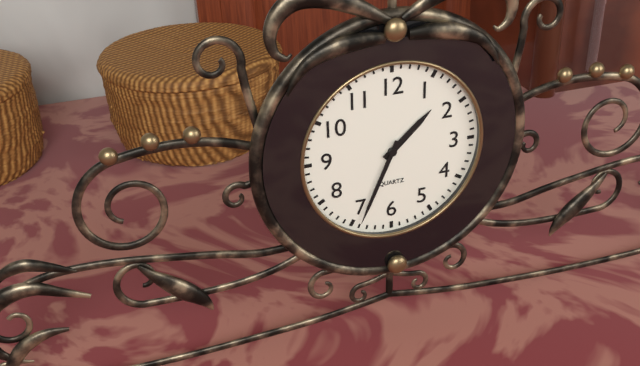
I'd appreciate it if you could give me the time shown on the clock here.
1:34
